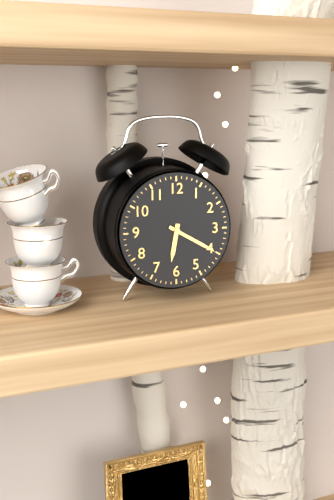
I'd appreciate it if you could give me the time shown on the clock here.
6:20
